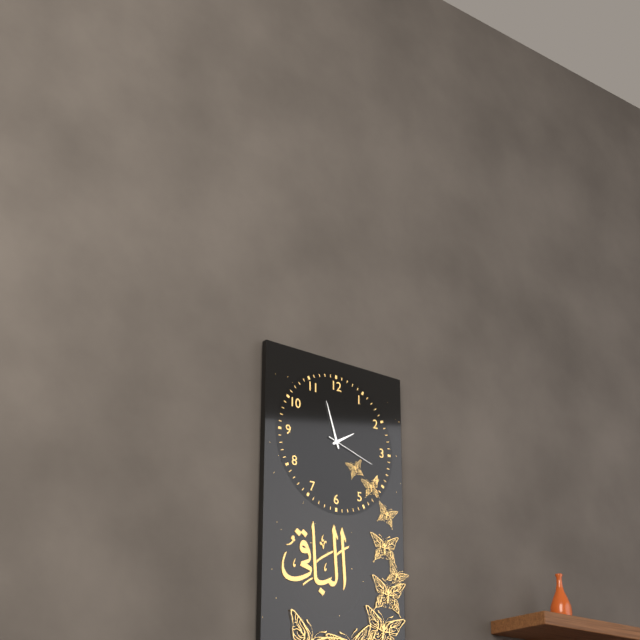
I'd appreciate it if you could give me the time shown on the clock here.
1:57:18
